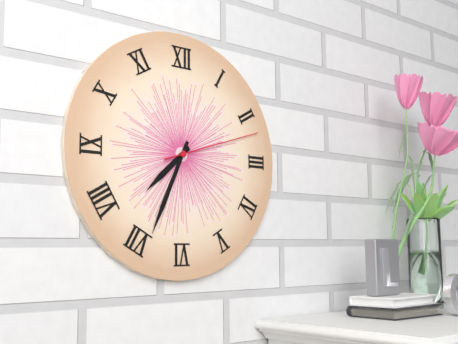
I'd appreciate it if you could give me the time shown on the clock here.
7:34:12
